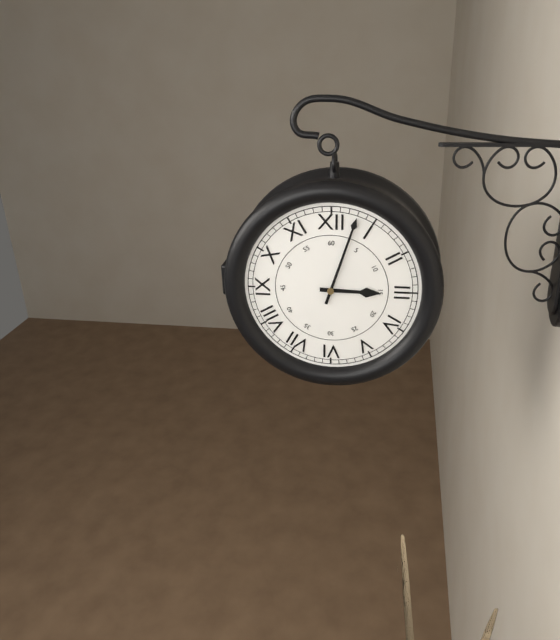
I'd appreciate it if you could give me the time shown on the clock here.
3:03
